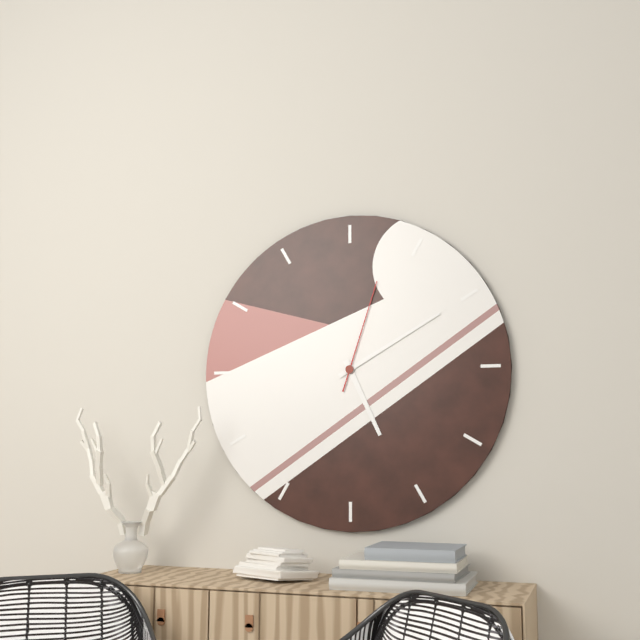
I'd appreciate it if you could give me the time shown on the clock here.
5:10:03
